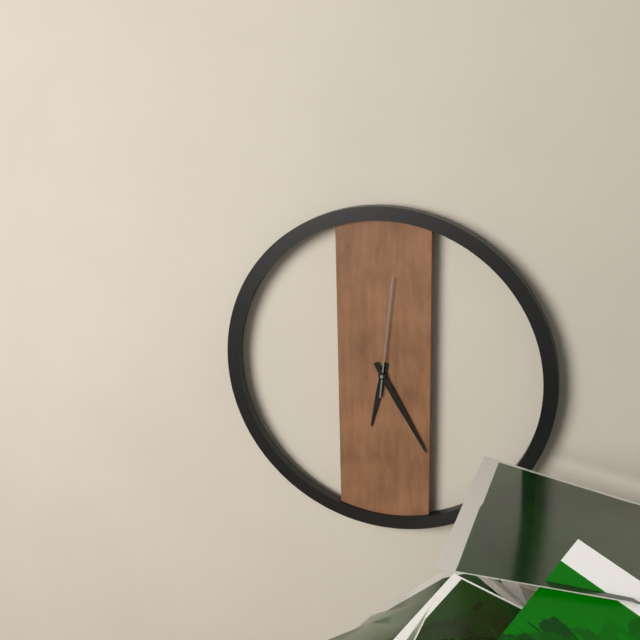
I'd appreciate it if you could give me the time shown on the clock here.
6:25:01
